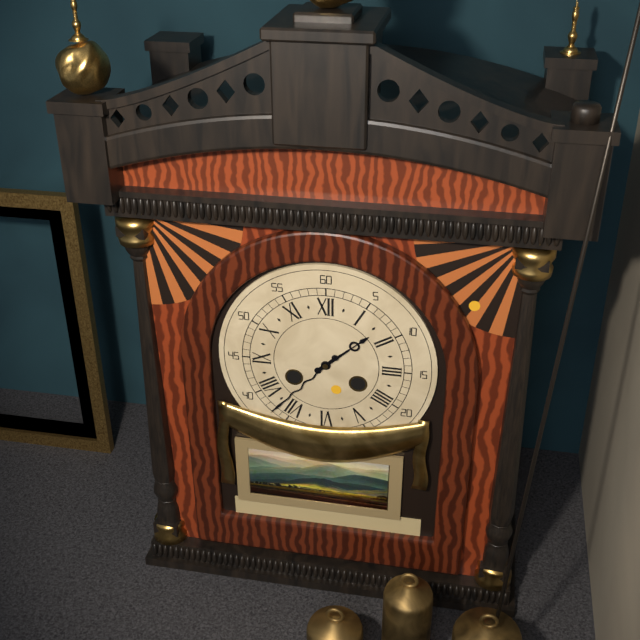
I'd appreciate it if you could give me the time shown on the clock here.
1:37
